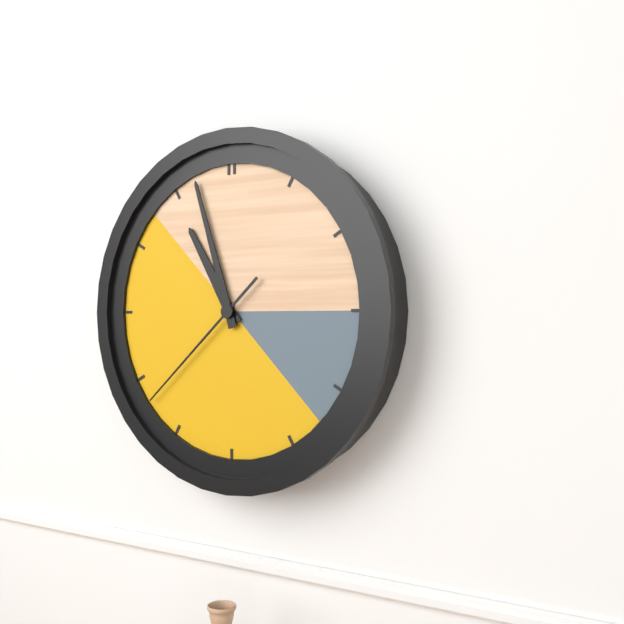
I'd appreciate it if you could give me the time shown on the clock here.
10:57:38
